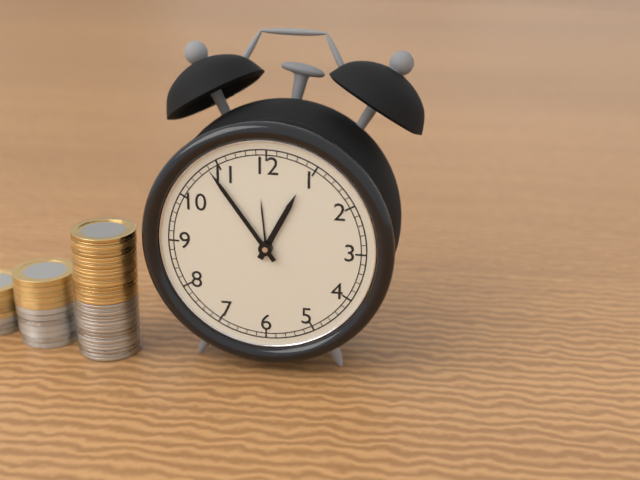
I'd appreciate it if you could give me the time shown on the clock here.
12:54
